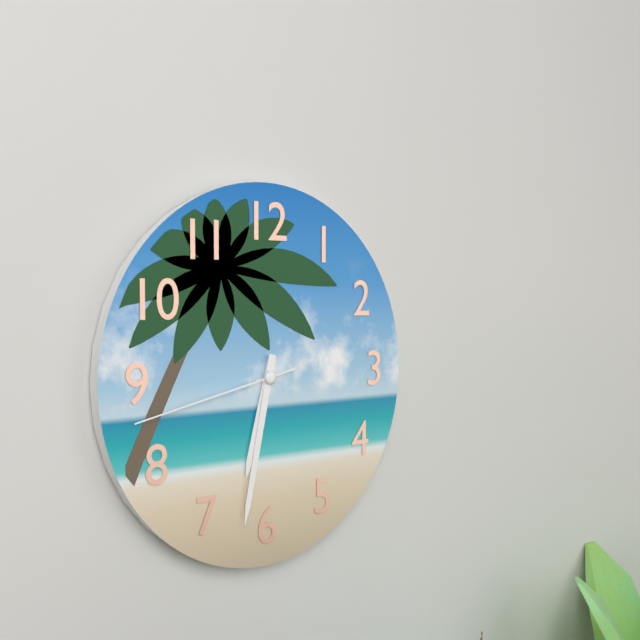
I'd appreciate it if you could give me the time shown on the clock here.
6:32:43
